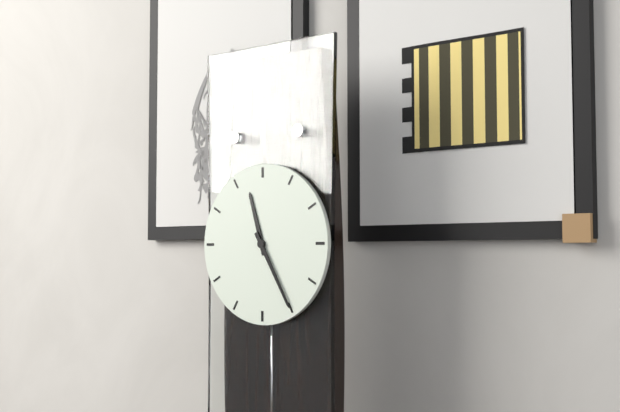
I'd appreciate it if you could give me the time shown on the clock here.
11:25
